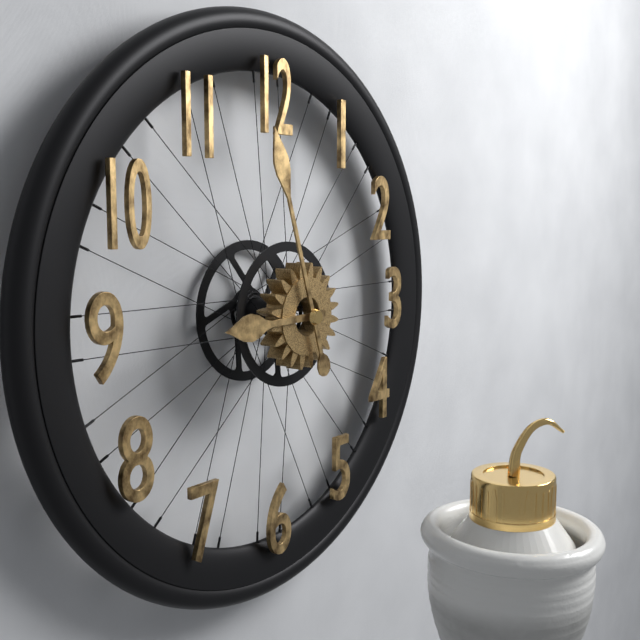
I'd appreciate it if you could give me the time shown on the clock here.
8:57
